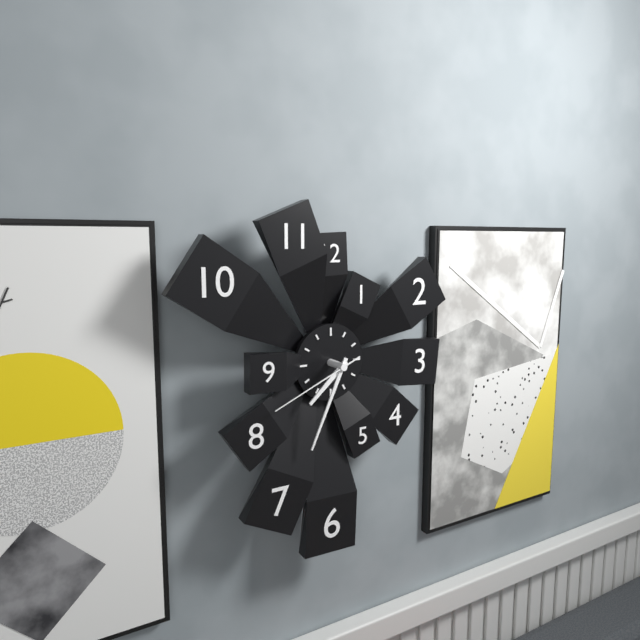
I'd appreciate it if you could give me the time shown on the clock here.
7:34:41
